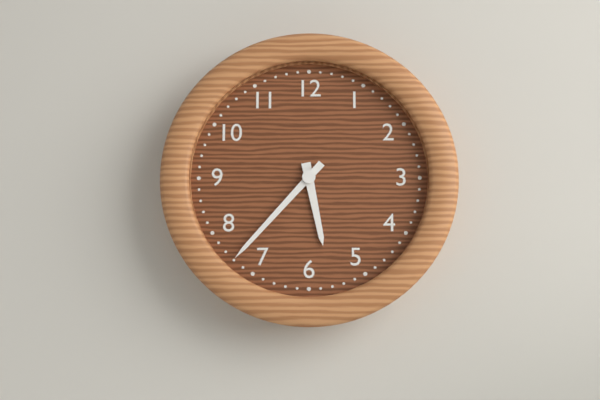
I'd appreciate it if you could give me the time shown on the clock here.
5:37
